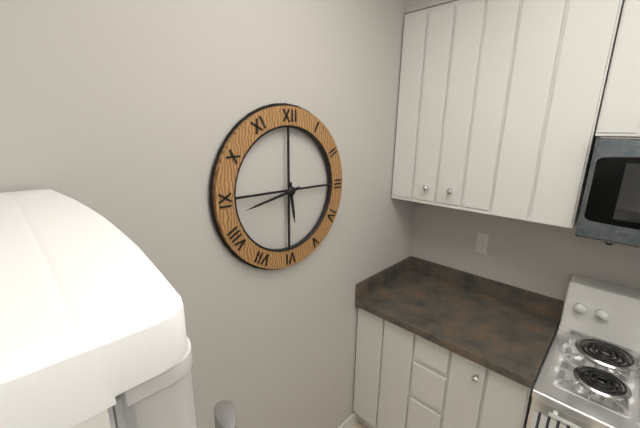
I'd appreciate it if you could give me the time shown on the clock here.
5:43
